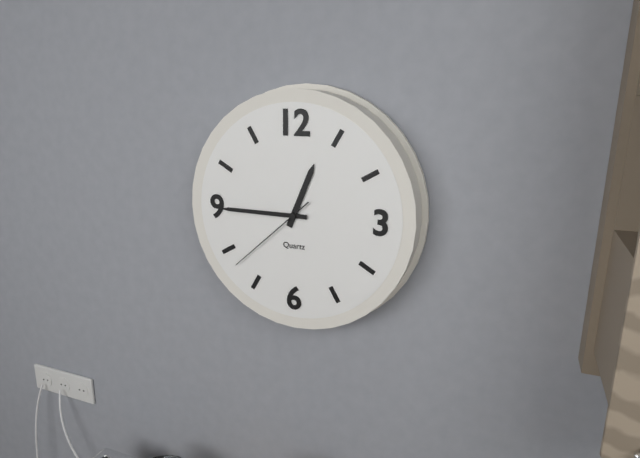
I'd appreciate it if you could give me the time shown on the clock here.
12:45:38
